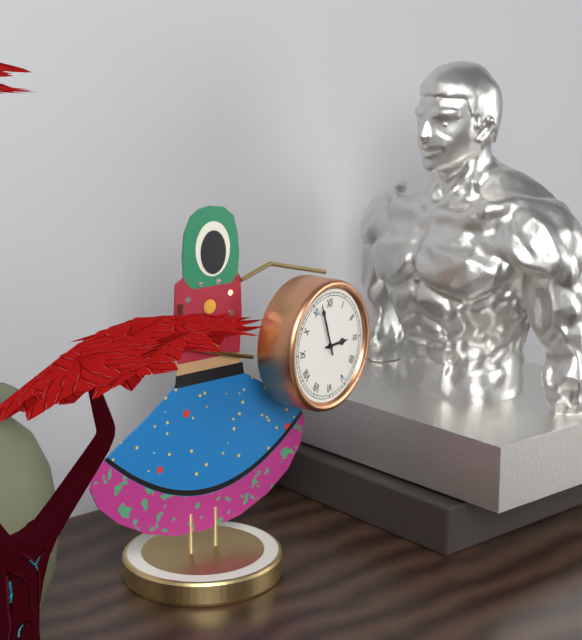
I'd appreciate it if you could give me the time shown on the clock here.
2:57
